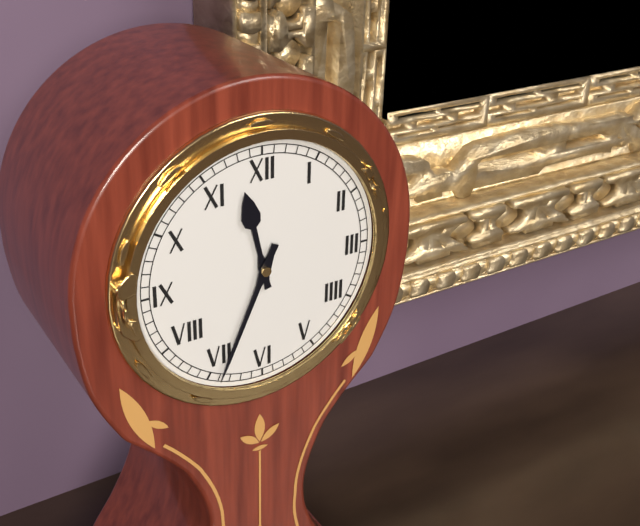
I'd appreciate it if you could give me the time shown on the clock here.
11:34
